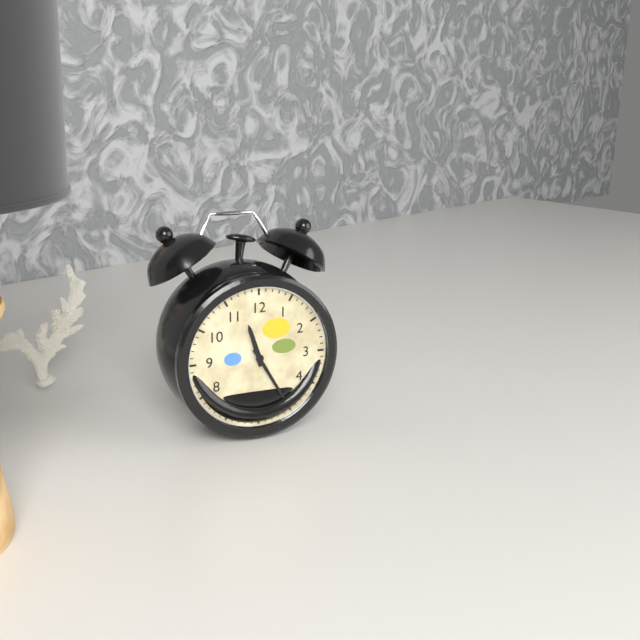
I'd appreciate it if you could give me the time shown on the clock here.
11:25
